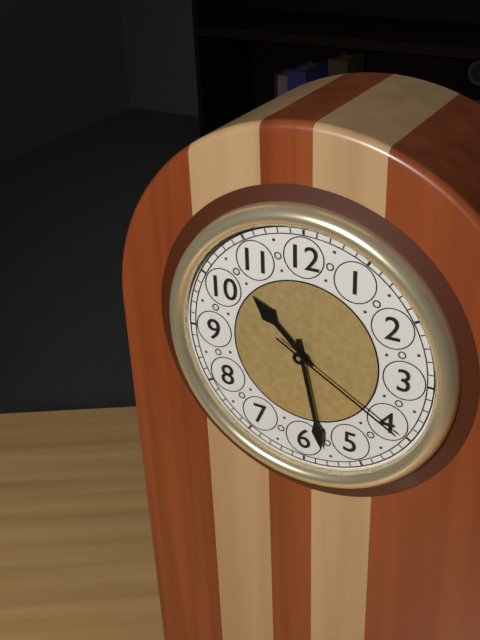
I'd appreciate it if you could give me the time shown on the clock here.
10:28:20
